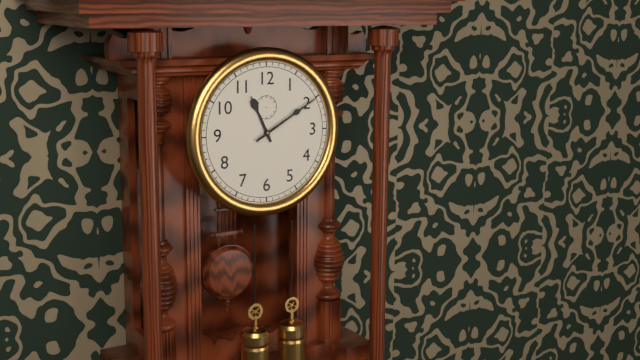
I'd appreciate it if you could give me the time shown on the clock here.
11:10
